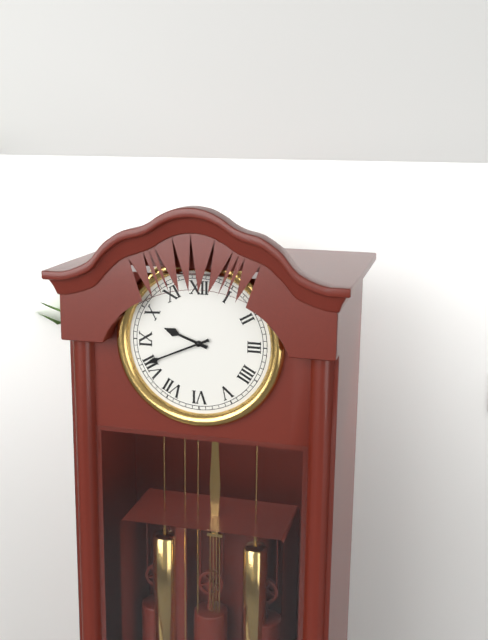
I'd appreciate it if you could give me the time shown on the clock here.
9:41
